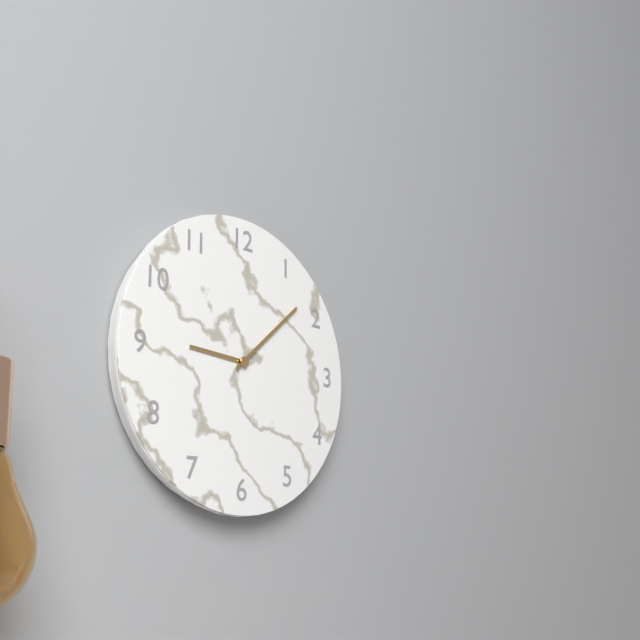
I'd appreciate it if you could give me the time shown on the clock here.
9:08
